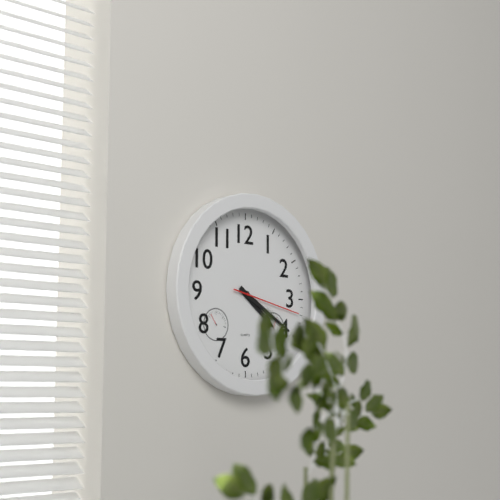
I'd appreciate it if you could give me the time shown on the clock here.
4:20:17
